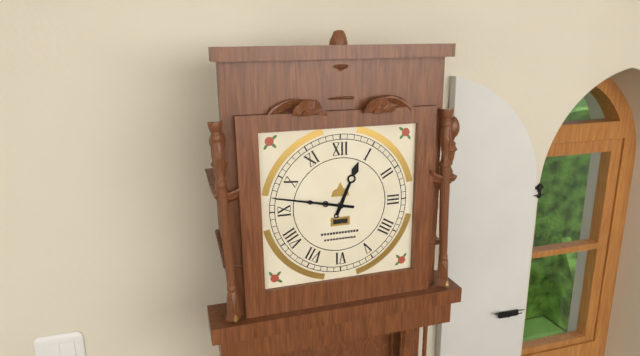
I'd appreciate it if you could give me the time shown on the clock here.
12:47
